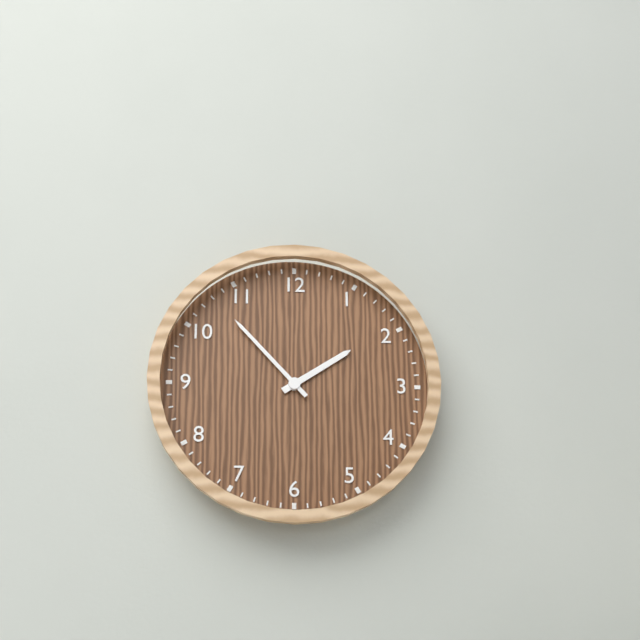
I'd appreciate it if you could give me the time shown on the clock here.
1:53
